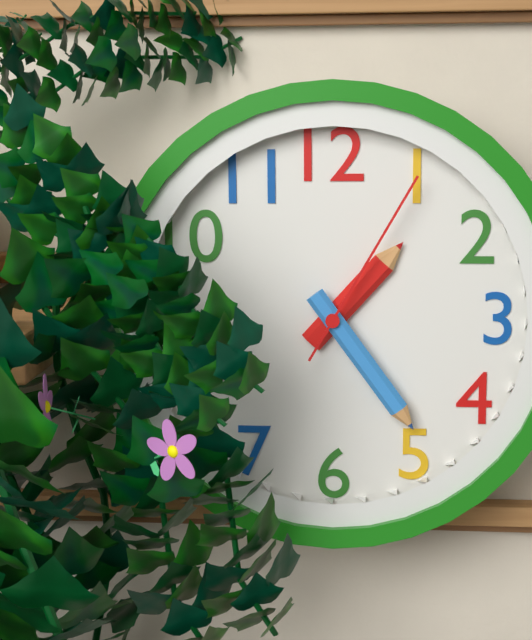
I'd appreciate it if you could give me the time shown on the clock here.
1:24:05
